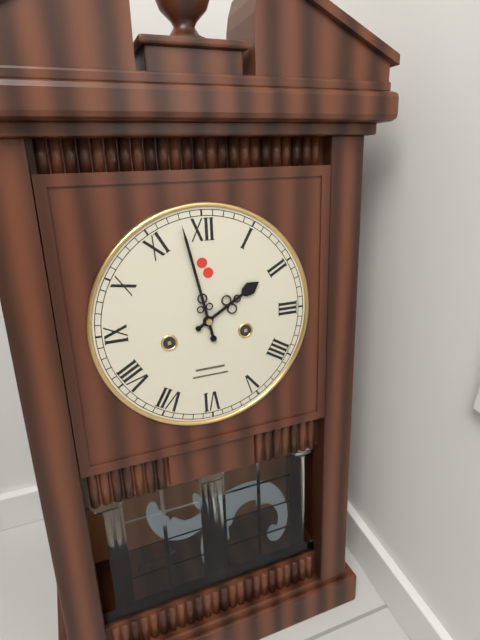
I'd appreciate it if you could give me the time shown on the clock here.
1:58
